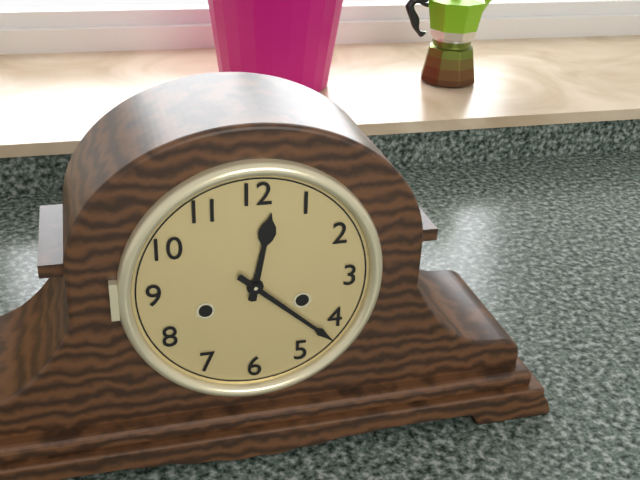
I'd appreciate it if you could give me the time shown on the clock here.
12:22
